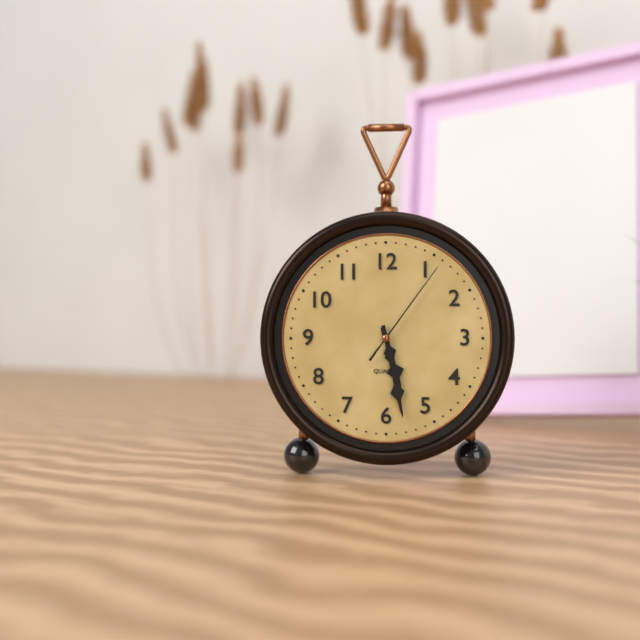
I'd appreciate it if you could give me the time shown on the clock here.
5:28:06
